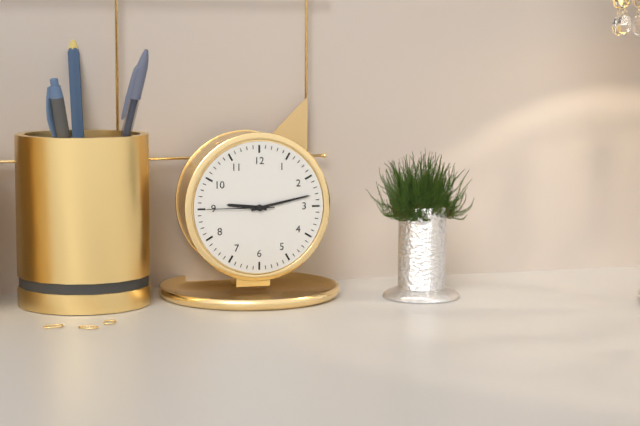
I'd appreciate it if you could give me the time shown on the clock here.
9:13:45
